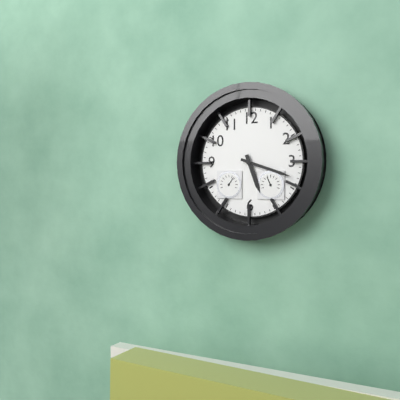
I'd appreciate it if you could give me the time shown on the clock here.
5:18
